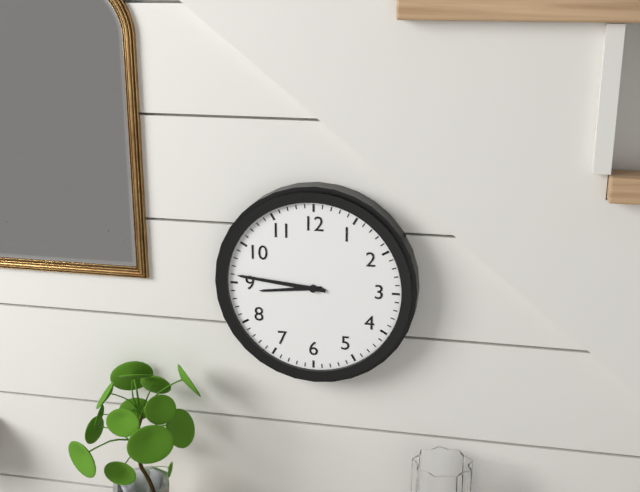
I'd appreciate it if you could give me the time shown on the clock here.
8:46
